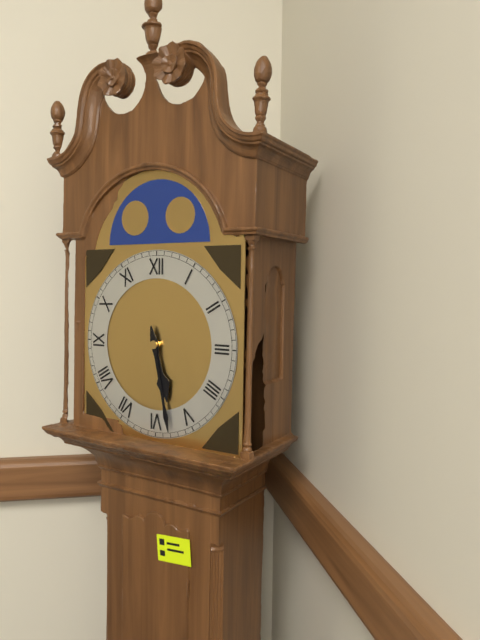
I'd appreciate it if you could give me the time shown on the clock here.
5:28
